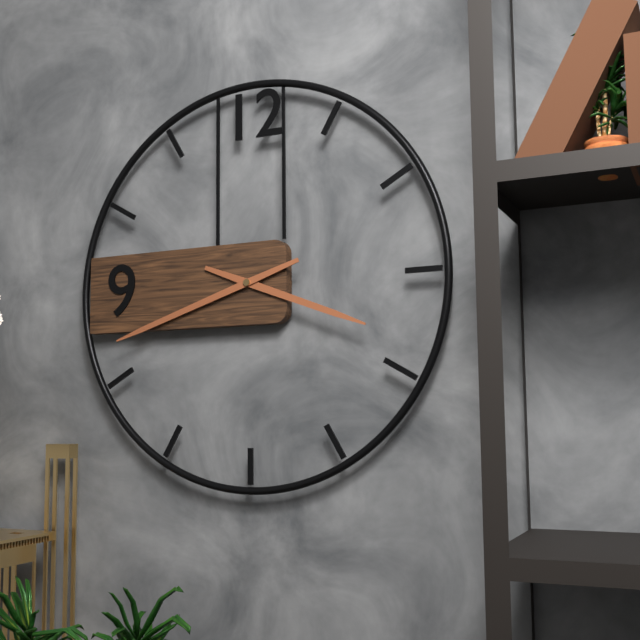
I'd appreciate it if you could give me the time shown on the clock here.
3:42
